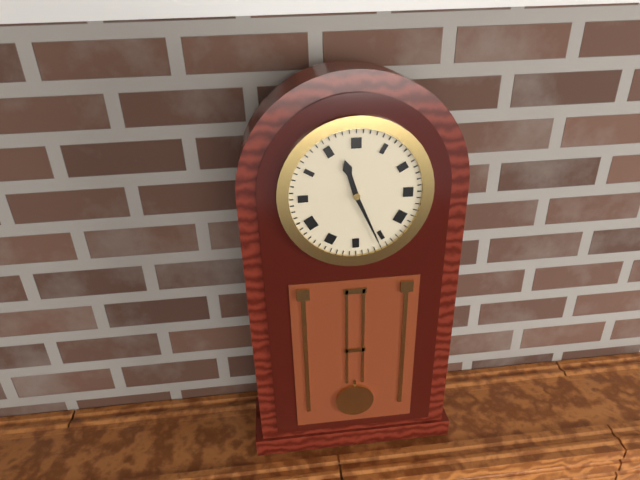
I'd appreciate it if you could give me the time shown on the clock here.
11:26
